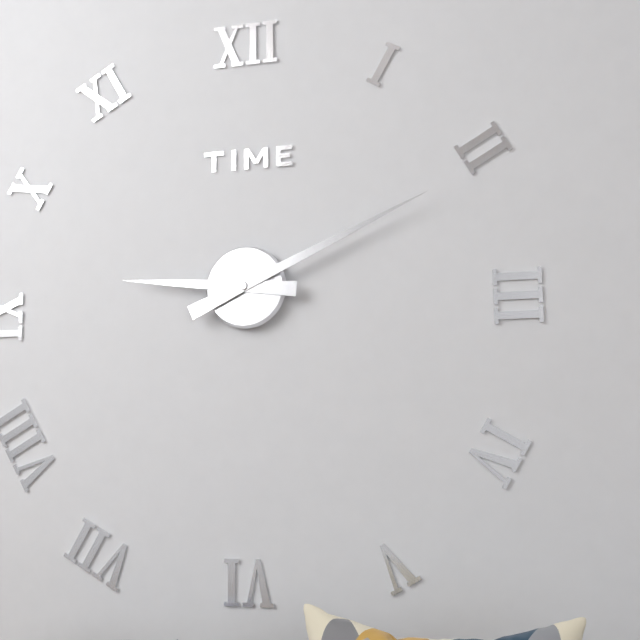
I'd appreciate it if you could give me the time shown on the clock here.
9:11
